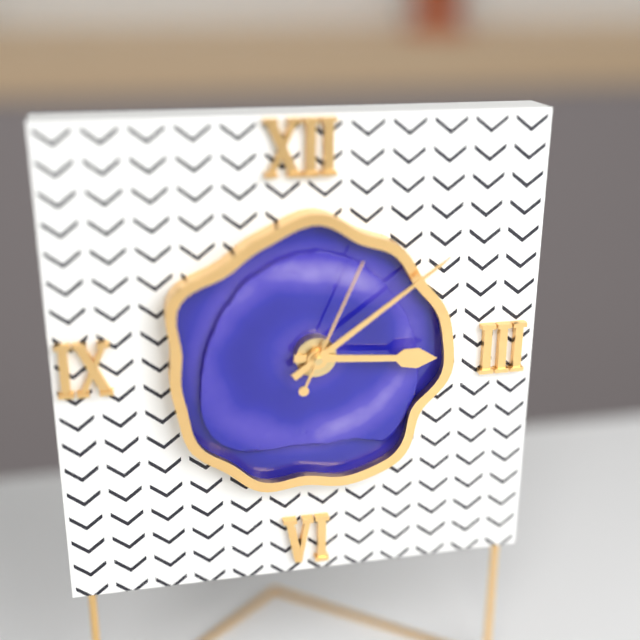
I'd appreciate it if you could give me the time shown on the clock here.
3:09:04
